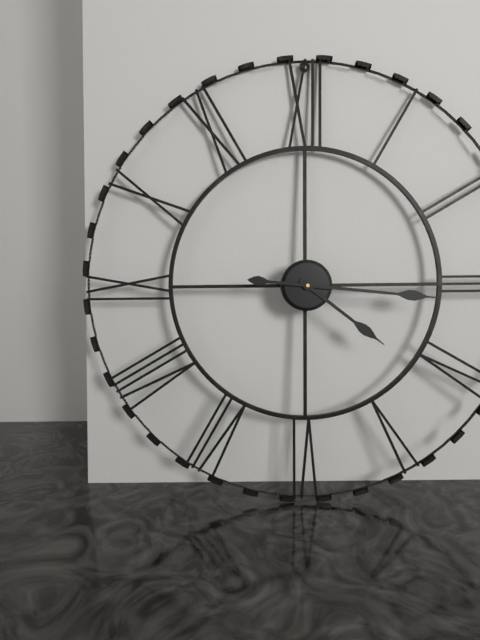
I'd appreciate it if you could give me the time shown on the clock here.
4:16
